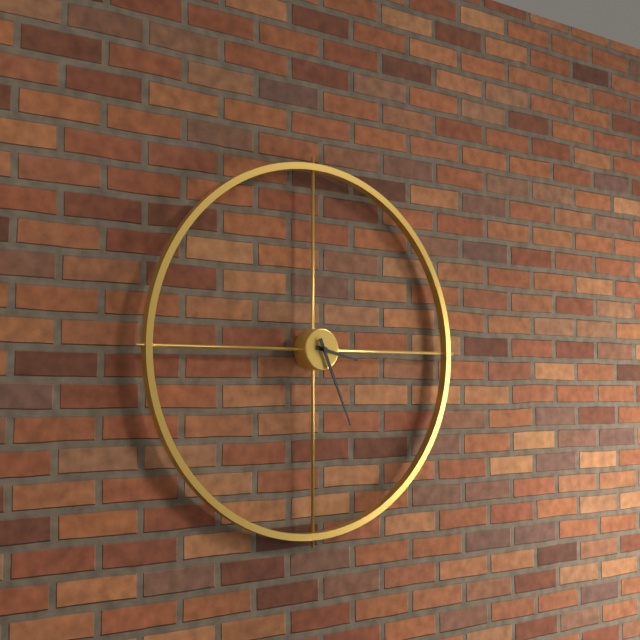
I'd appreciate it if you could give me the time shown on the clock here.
3:26
